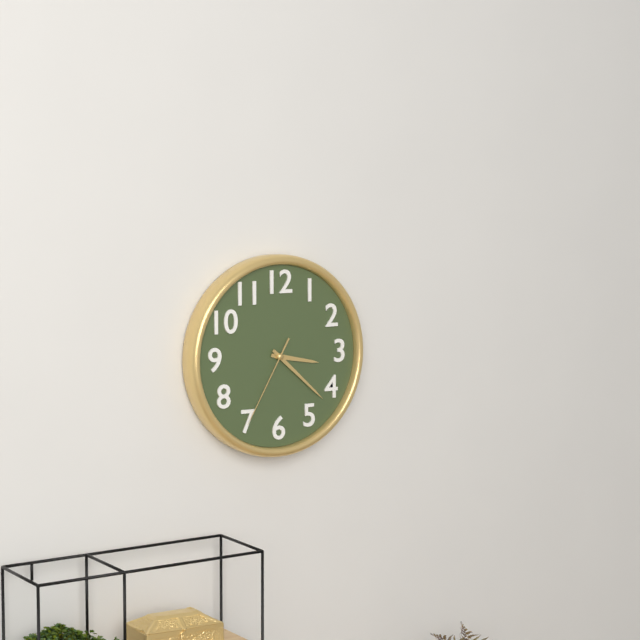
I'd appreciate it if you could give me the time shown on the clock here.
3:22:35
